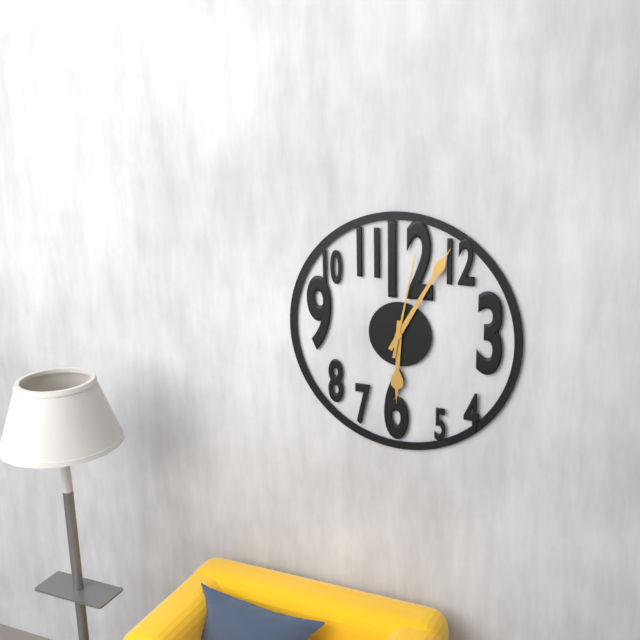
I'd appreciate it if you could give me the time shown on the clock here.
6:05:02
